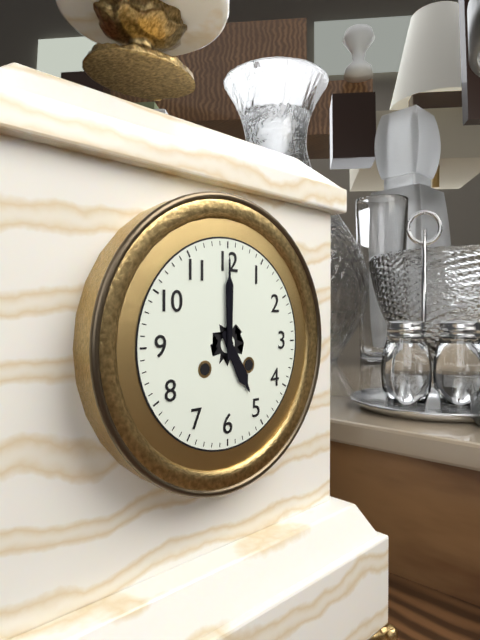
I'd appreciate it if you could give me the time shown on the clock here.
5:00
